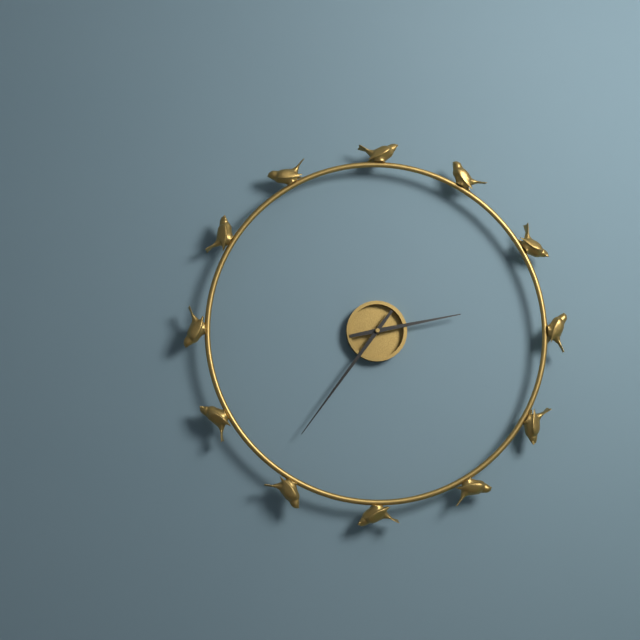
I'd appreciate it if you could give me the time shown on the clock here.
2:36
